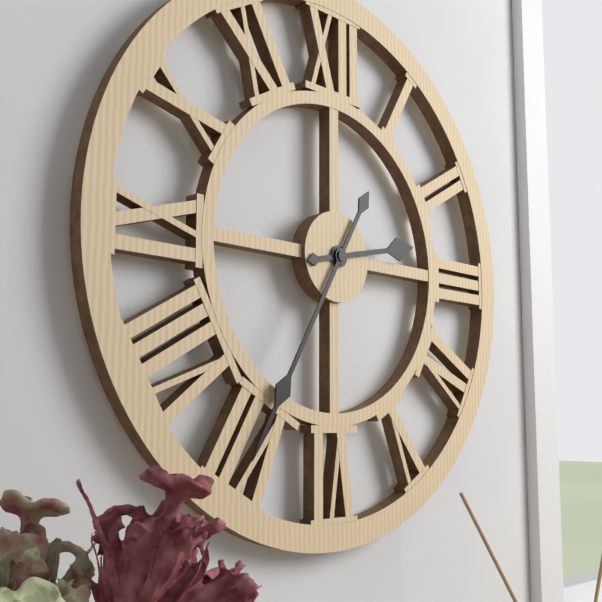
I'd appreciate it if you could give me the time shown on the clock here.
2:35
